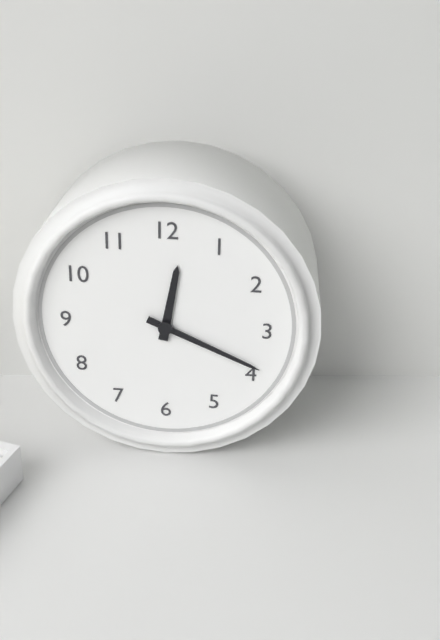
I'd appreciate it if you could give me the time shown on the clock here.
12:19
